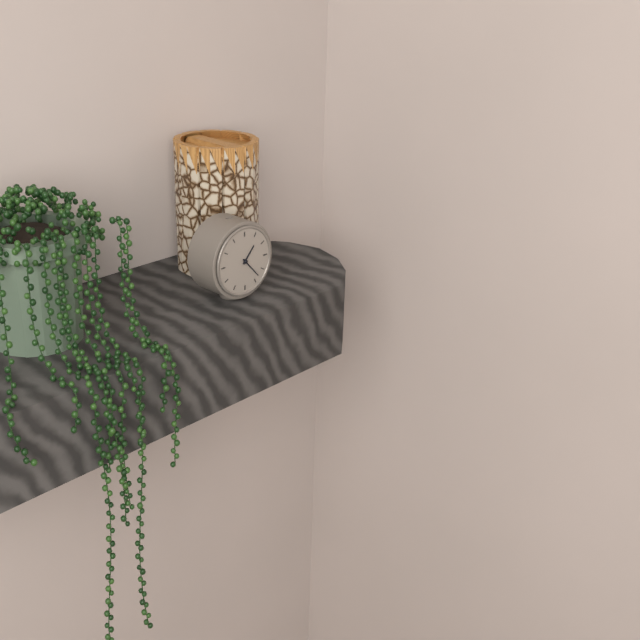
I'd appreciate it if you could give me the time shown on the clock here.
1:23
